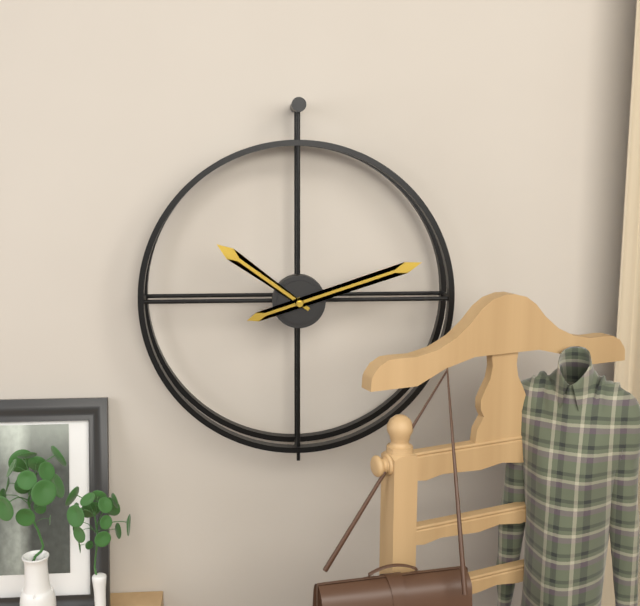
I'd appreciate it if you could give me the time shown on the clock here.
10:12
